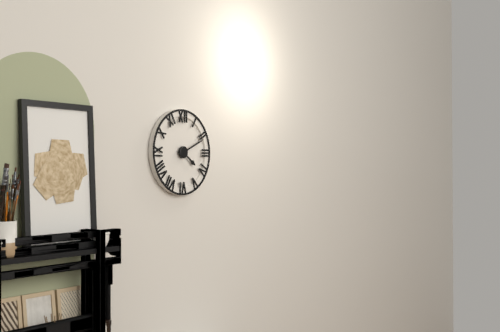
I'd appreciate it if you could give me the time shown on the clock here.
4:11
